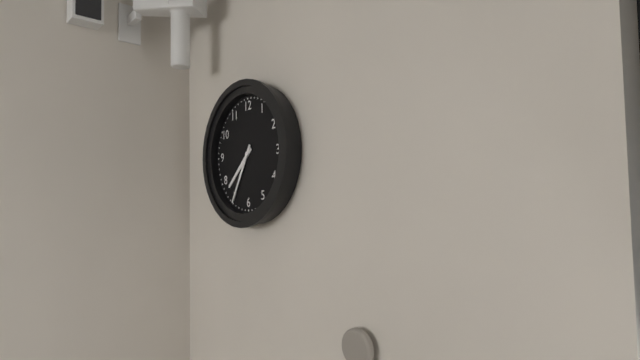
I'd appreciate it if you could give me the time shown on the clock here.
7:35
